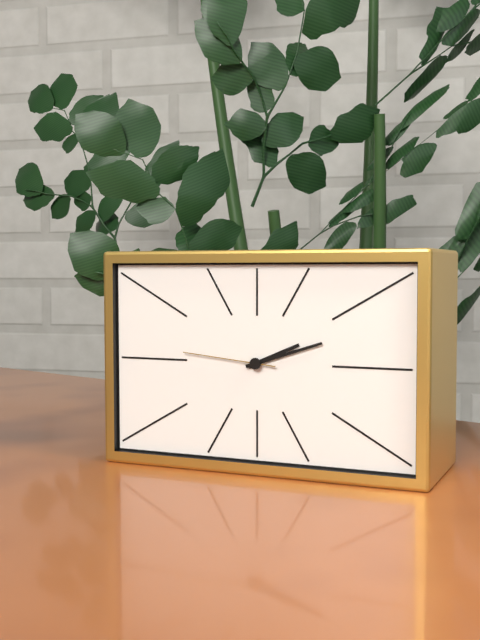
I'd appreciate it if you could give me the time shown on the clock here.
2:12:46
